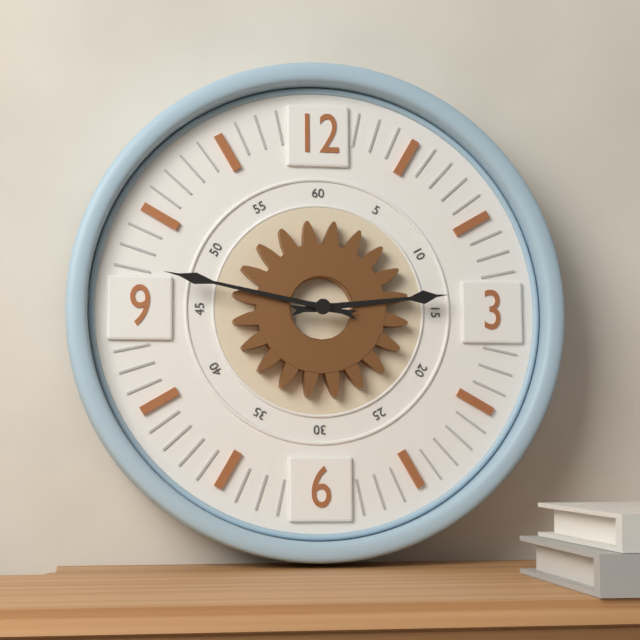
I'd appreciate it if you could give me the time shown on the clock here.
2:47
